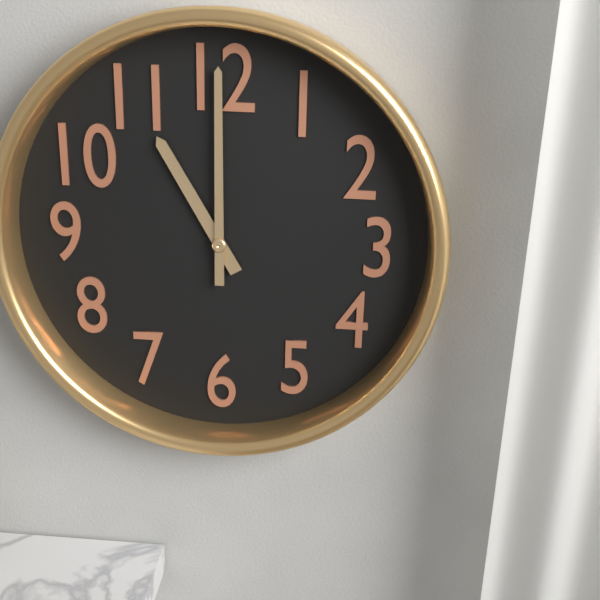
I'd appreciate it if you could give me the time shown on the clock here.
11:00
